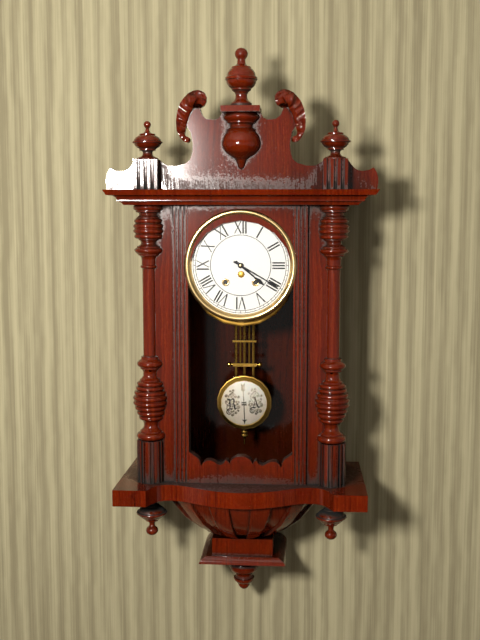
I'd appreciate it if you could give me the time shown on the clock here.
4:20
